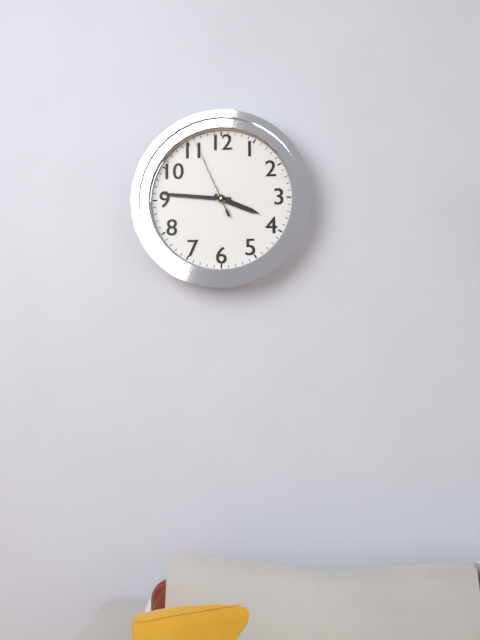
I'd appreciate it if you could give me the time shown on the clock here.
3:46:56
